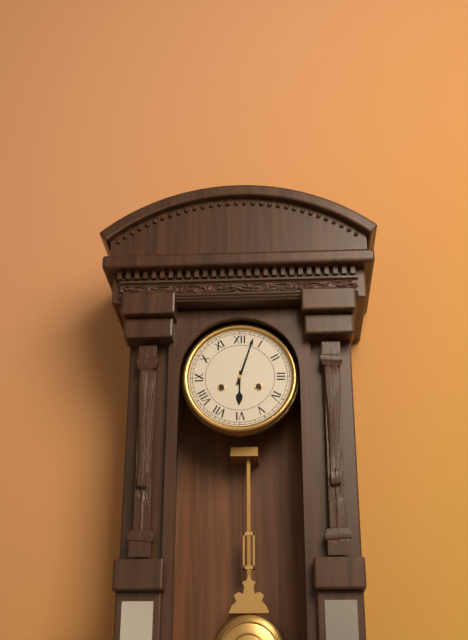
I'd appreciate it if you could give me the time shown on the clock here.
6:03
